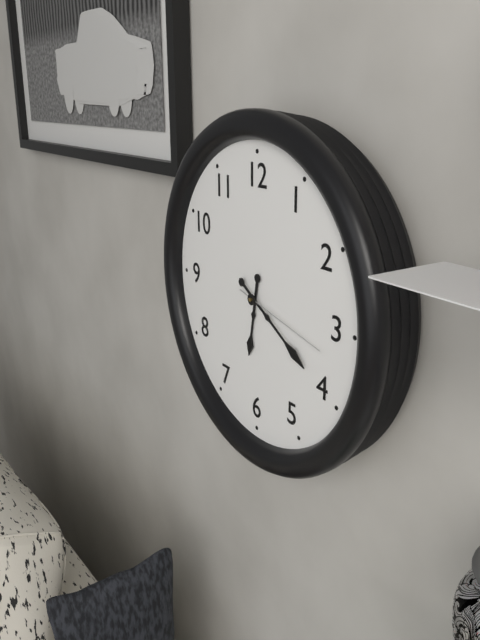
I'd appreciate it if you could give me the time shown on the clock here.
6:20:17
